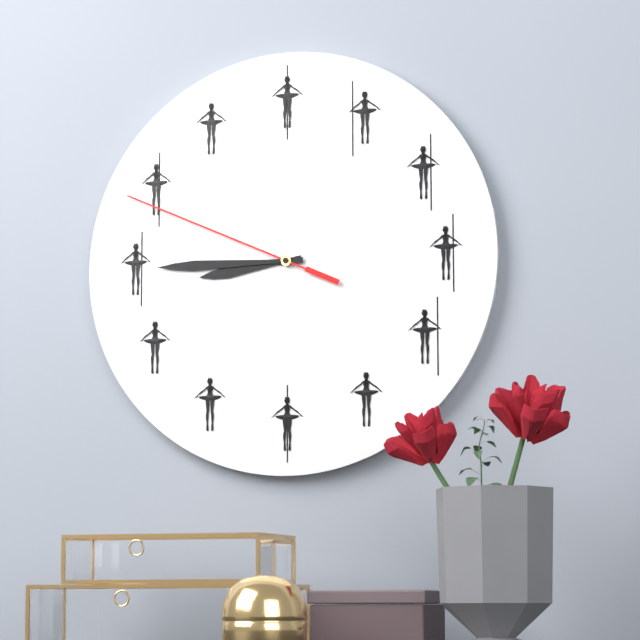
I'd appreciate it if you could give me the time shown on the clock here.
8:45:49
